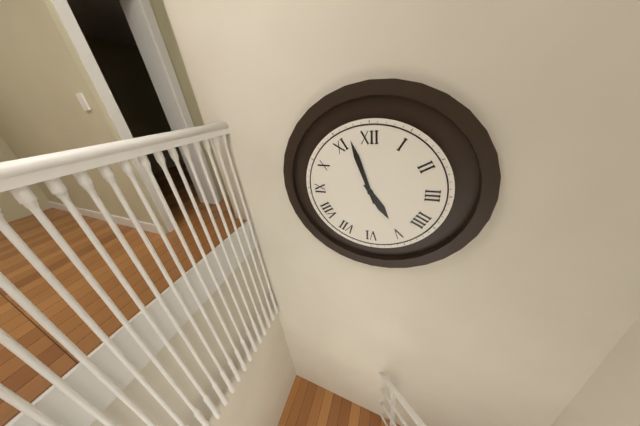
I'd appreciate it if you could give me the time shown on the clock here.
4:57
